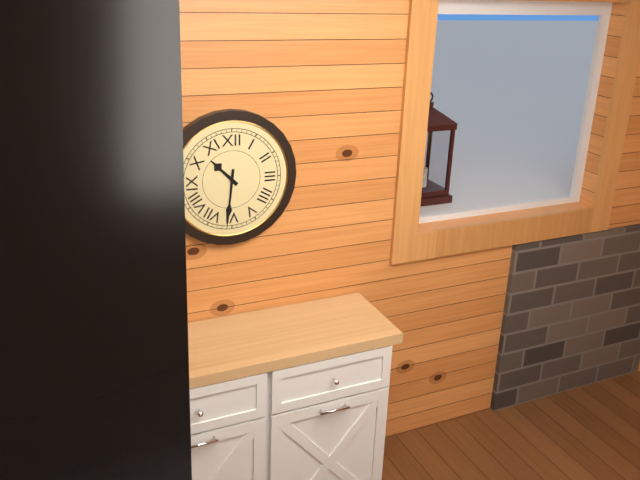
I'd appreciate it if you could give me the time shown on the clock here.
10:31
